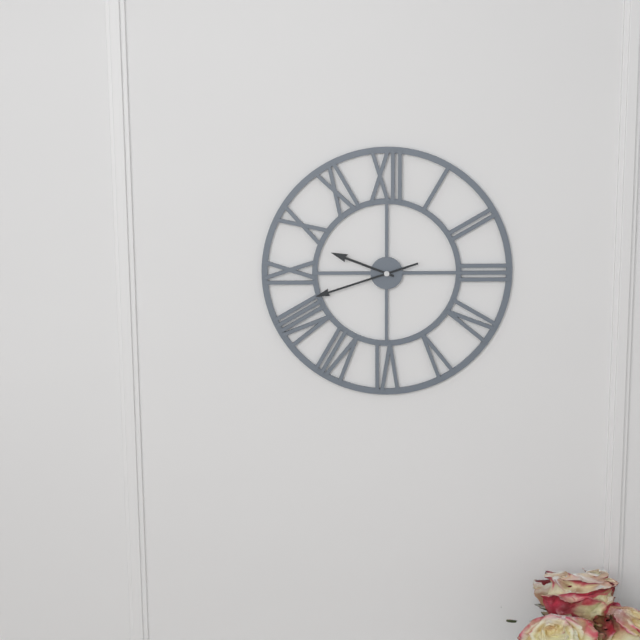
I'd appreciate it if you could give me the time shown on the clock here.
9:42
